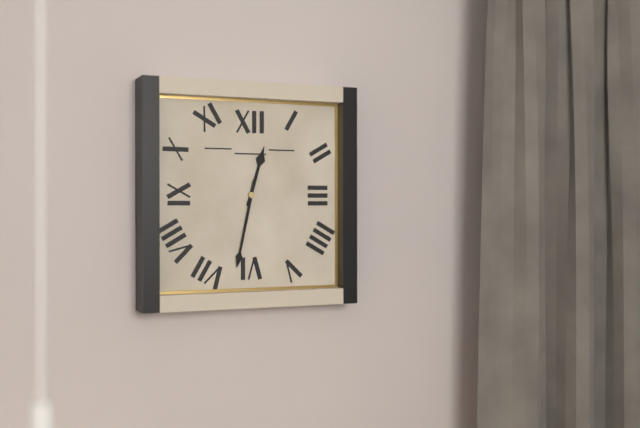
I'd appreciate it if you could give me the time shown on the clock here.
12:32
